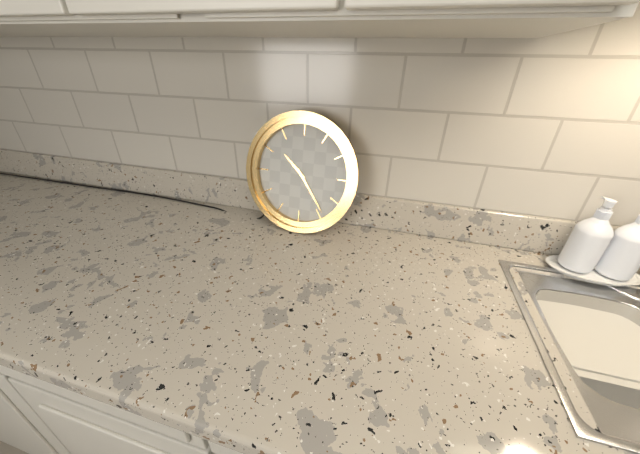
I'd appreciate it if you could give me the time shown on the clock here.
10:24
